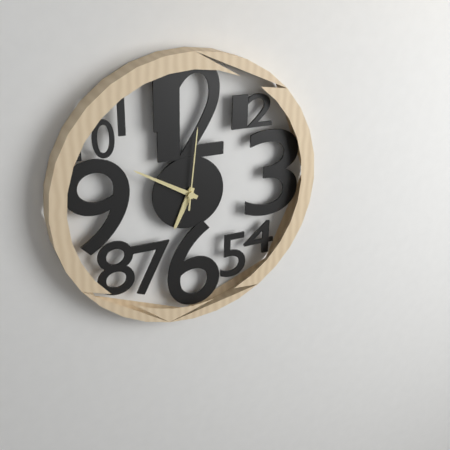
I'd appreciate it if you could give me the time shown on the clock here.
6:50:01
